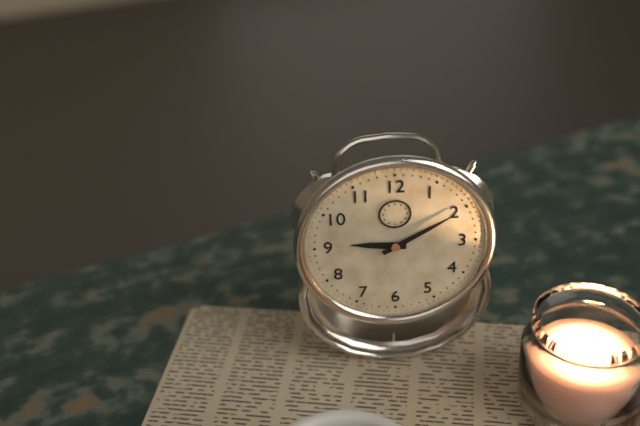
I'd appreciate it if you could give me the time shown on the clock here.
9:10
